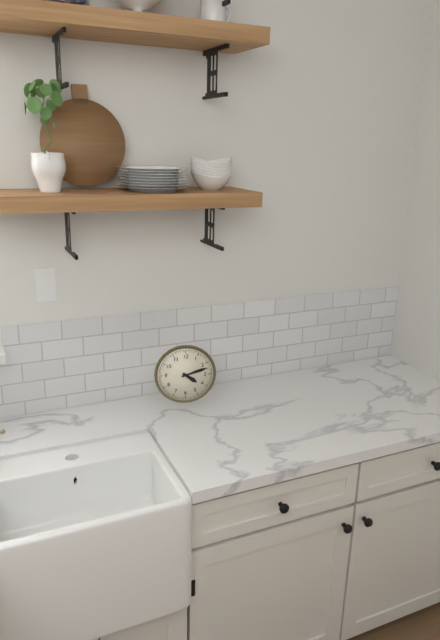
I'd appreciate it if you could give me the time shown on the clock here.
4:12
